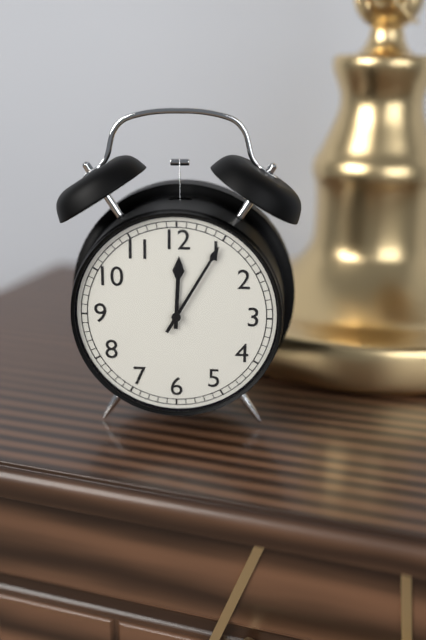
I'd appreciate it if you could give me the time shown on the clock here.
12:05
